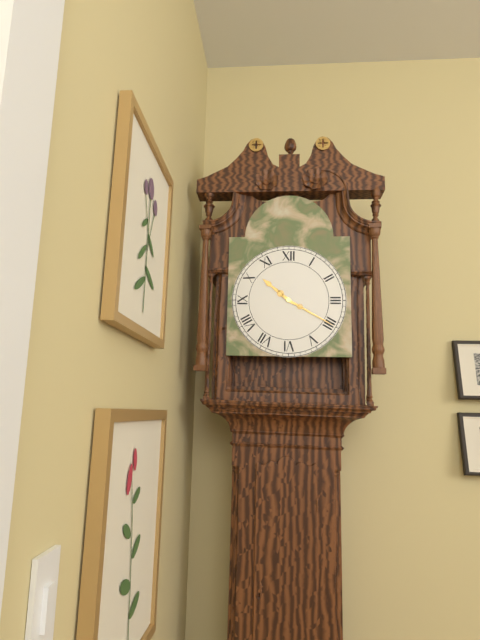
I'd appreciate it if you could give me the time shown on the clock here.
10:20
